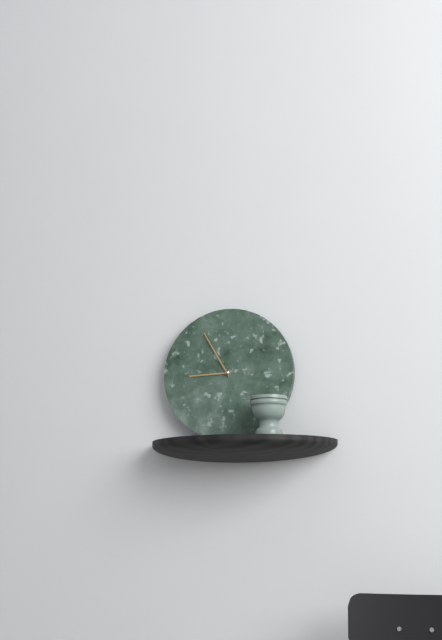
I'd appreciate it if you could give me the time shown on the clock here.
8:55
